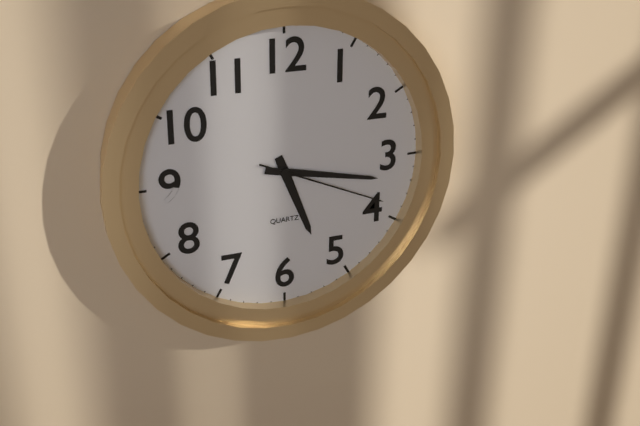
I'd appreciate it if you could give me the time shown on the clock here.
5:17:19
